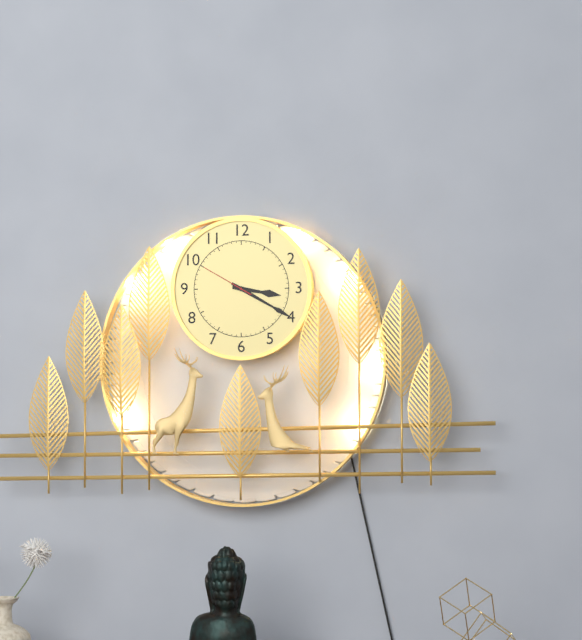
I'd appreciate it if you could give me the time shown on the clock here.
3:20:50
